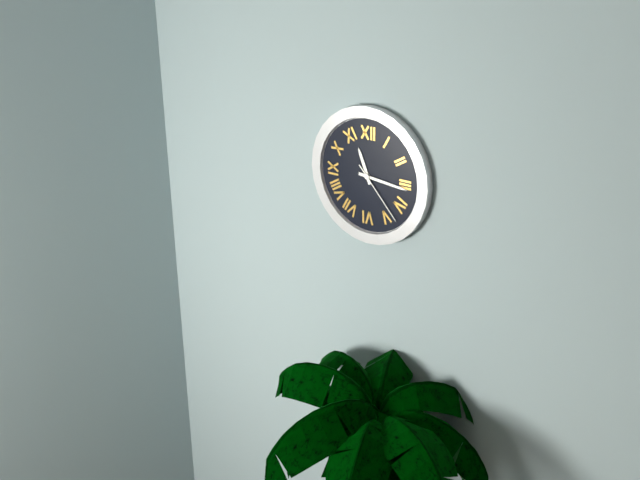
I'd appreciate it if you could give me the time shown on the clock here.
11:16:23
